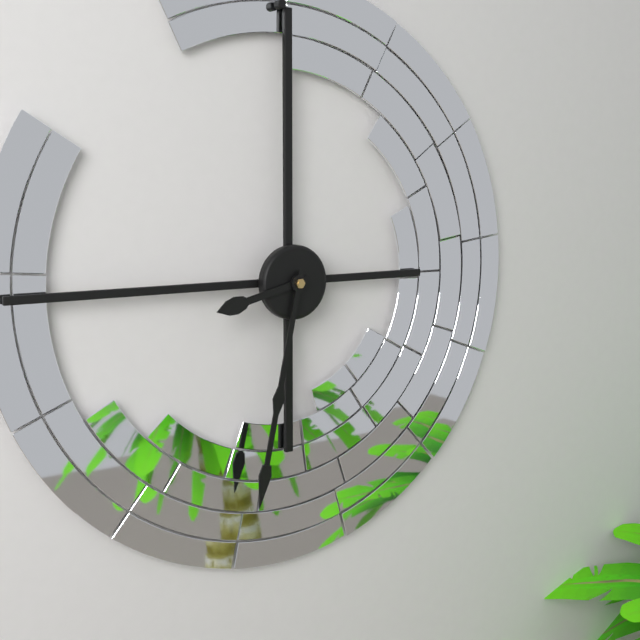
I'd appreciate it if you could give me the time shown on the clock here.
8:32
